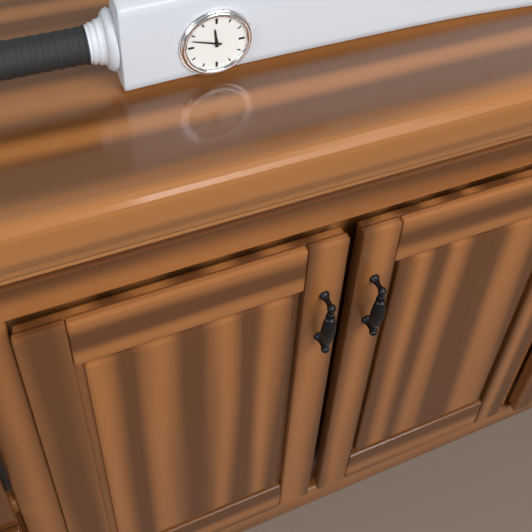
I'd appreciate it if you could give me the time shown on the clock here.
11:48
